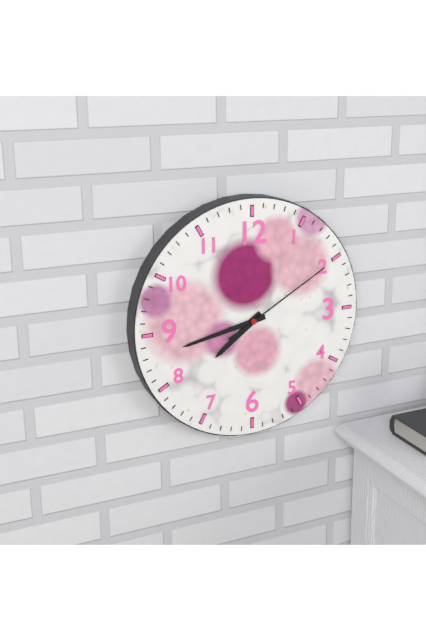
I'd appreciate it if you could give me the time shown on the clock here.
7:43:10
